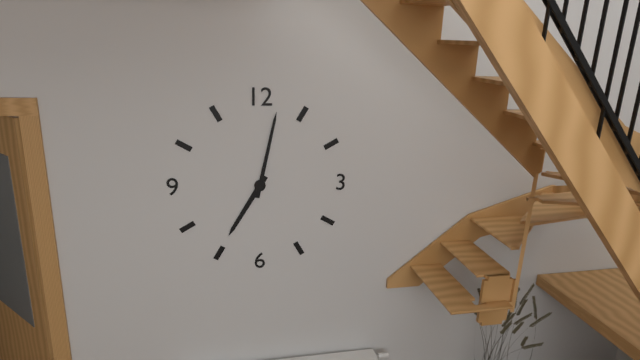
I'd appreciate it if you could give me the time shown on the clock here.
7:02
